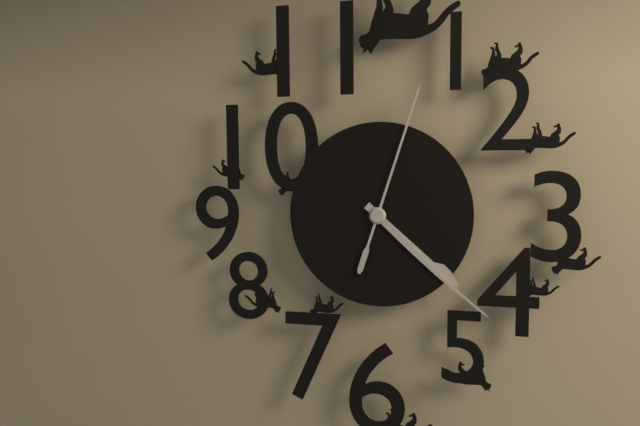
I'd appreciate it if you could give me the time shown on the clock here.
4:22:03
